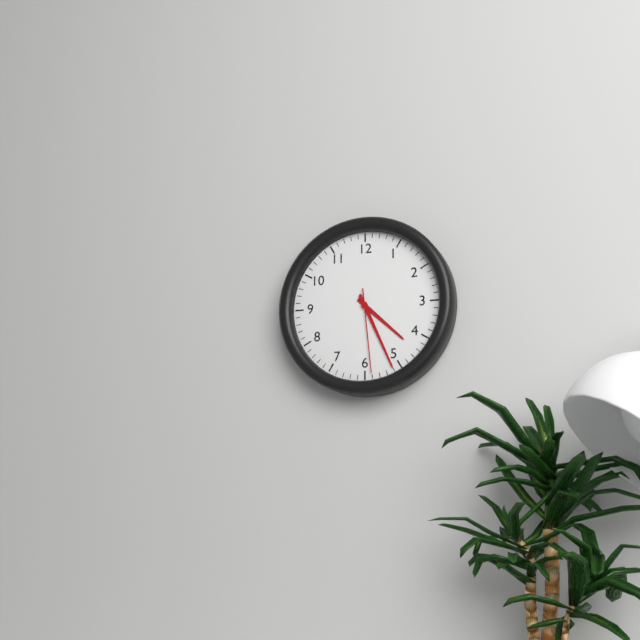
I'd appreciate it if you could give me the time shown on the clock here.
4:26:29
